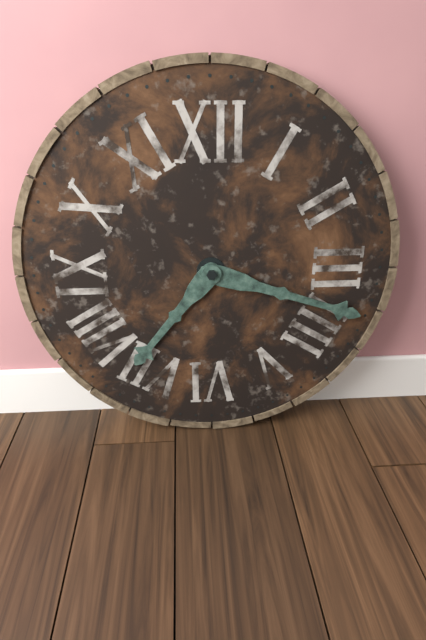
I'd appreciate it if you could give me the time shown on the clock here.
7:18
